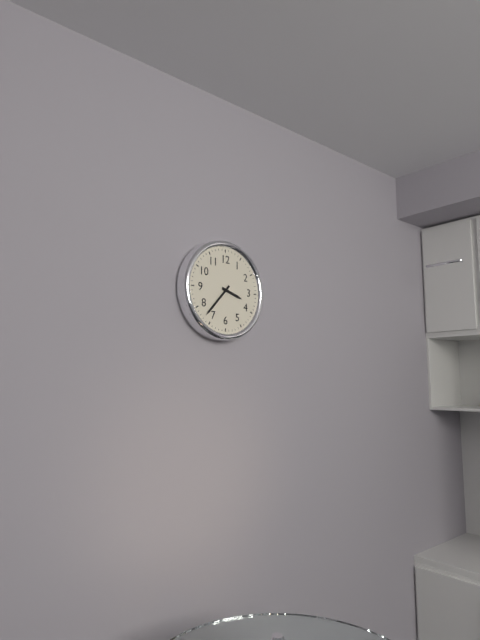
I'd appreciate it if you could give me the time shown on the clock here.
3:37
